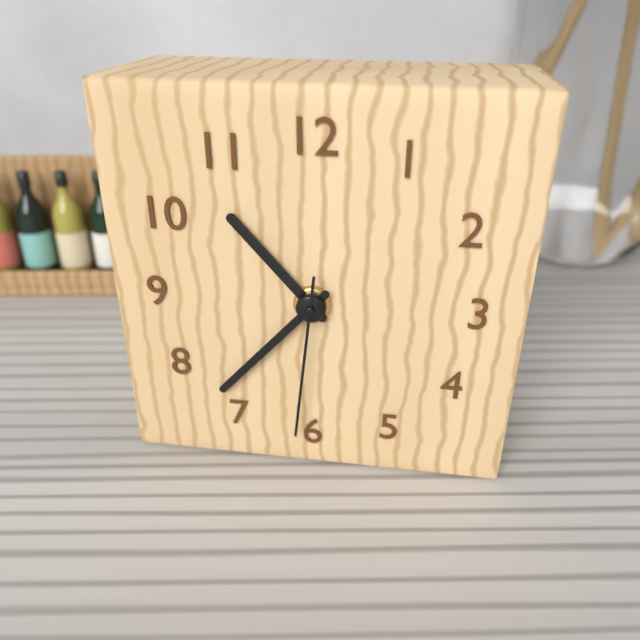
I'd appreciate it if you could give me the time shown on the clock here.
10:37:31
